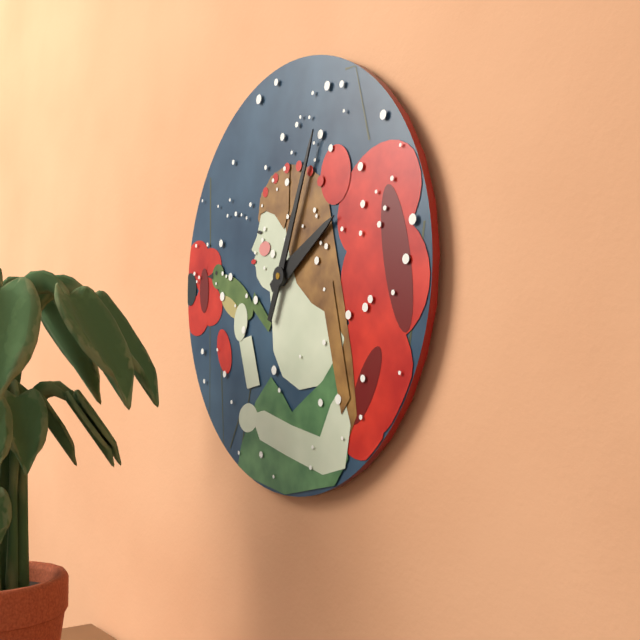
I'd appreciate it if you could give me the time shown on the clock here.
2:04
